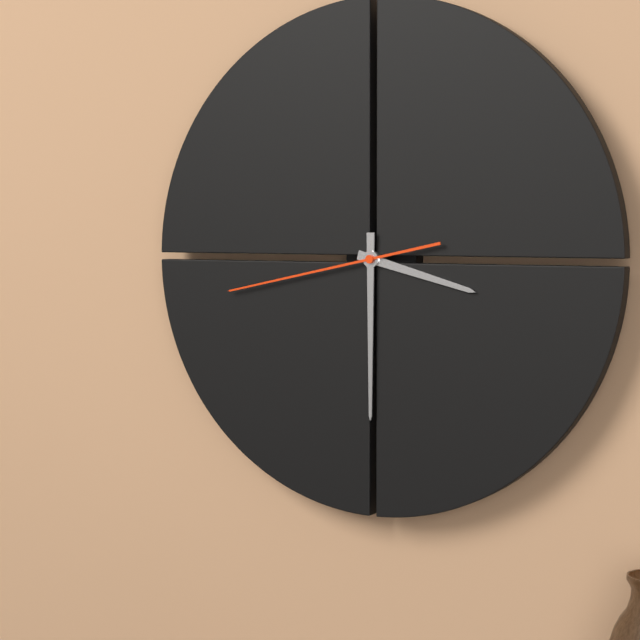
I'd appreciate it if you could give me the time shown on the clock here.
3:30:43
